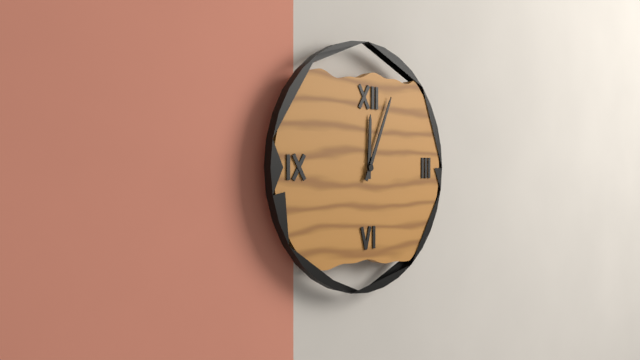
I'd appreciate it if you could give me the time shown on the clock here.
12:04
